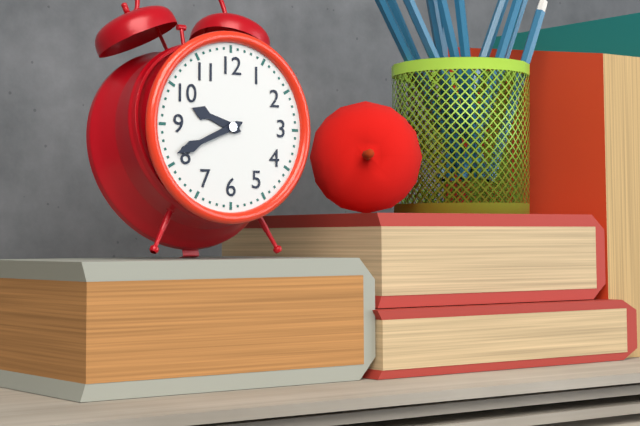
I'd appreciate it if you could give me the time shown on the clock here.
9:41
